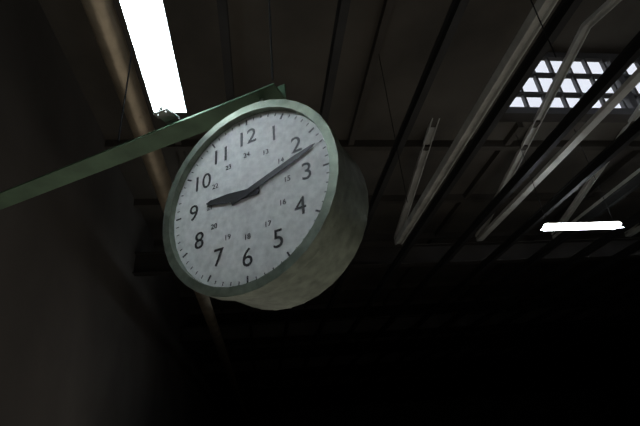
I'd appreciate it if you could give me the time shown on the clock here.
9:12
